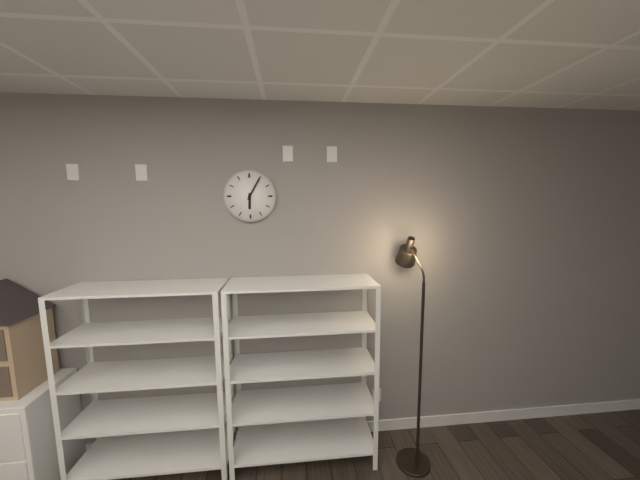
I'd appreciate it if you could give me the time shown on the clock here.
6:05
